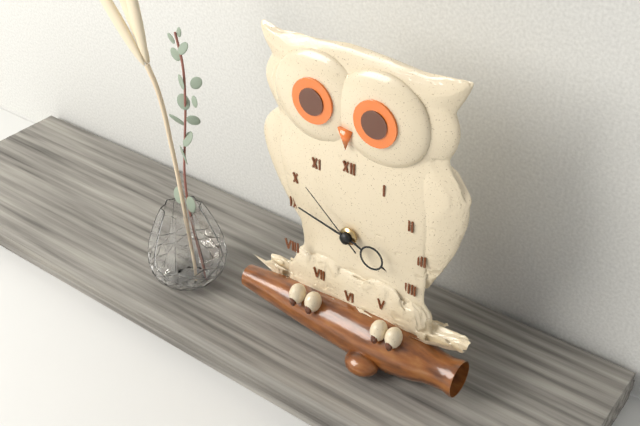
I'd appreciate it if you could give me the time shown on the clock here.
3:47:52
